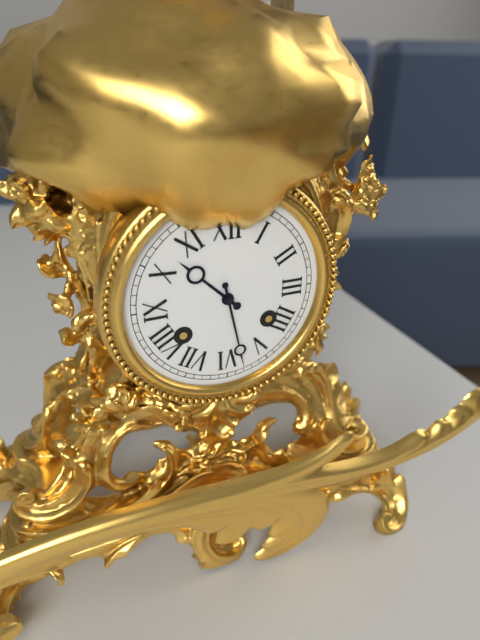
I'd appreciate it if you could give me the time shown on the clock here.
10:28
